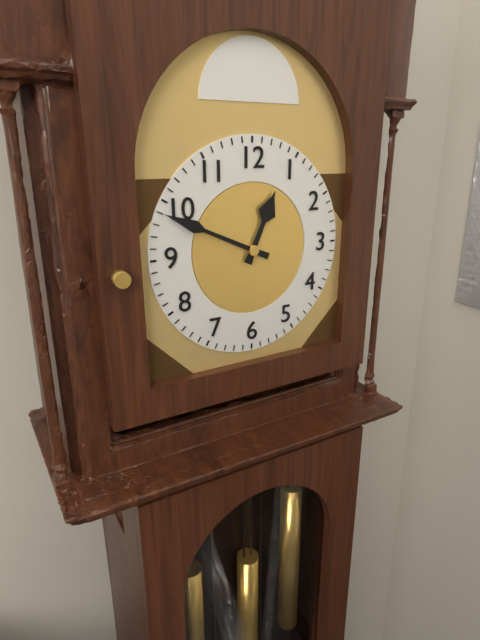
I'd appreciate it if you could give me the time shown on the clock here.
12:49
